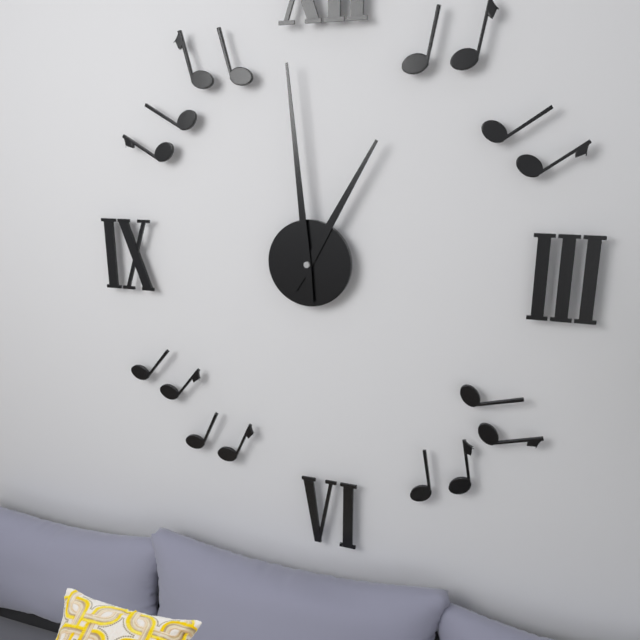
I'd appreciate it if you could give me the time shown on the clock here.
12:59
